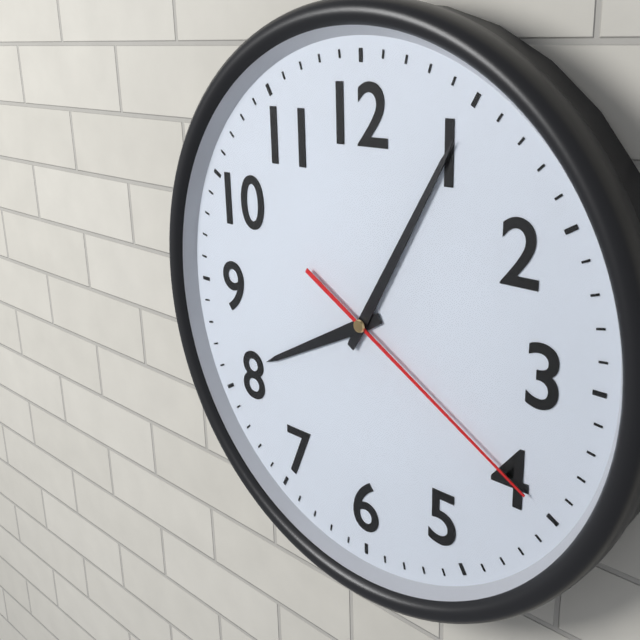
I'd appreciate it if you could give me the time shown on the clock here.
8:05:20
